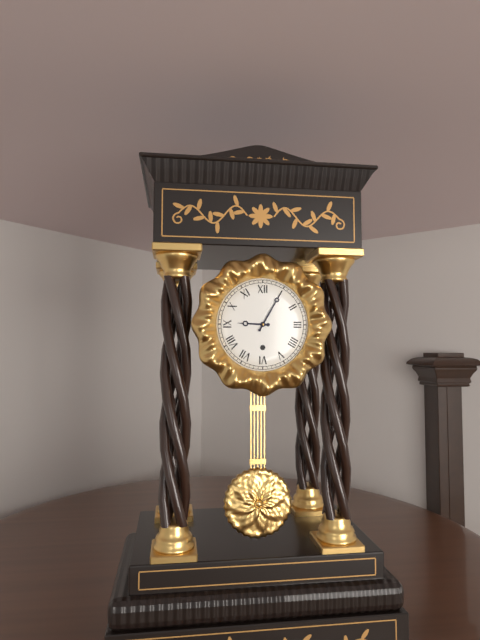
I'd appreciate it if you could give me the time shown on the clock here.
9:05
